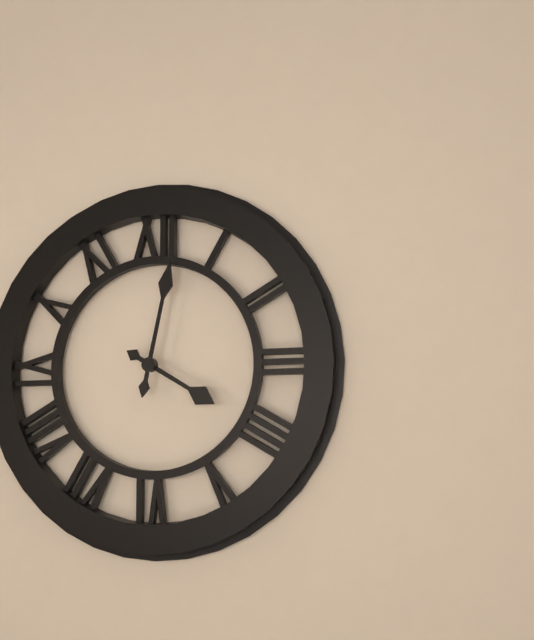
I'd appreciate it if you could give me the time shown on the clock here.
4:02
